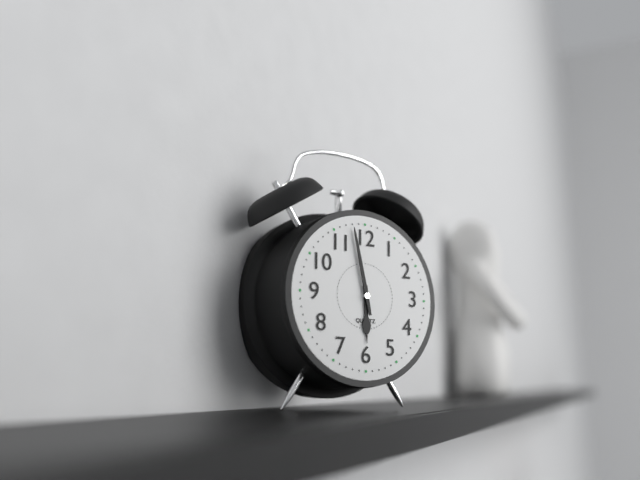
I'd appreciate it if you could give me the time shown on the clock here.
5:58
